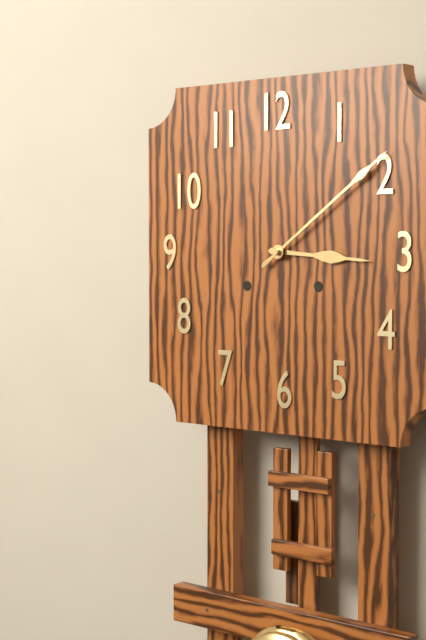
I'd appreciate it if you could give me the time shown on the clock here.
3:09
